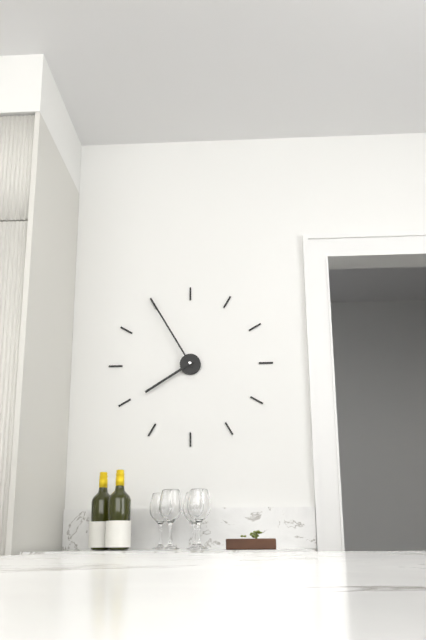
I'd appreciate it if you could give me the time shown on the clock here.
7:55
